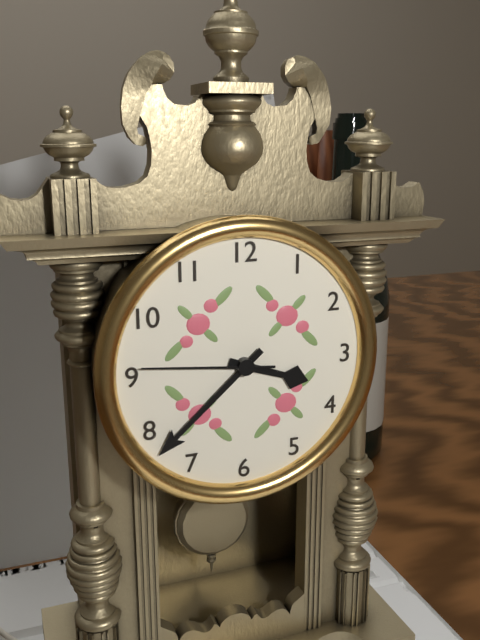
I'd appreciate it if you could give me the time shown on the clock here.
3:38:46
